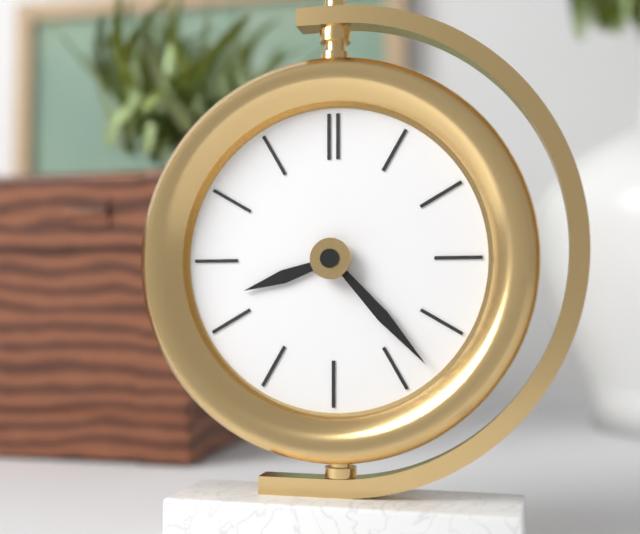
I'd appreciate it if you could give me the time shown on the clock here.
8:23
